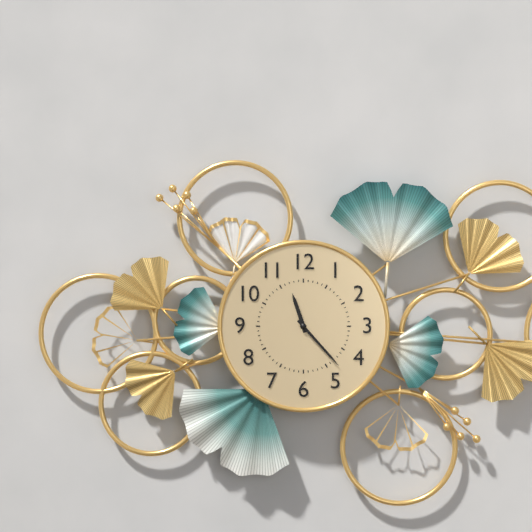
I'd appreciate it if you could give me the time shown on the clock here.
11:23
